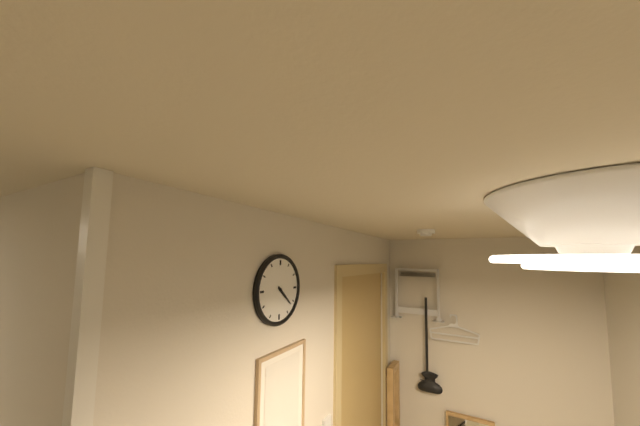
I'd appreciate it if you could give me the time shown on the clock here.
4:22
